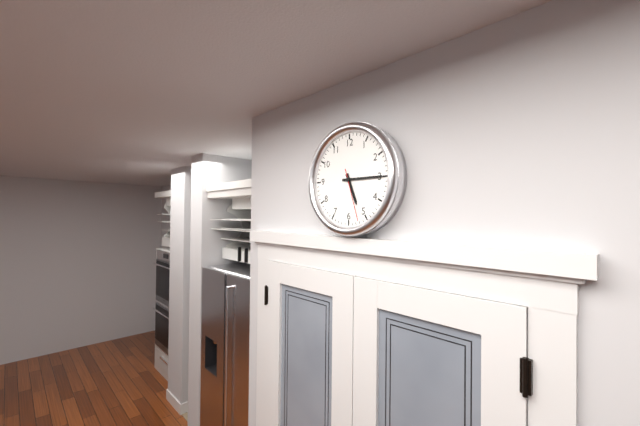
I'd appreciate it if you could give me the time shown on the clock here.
5:15:27
